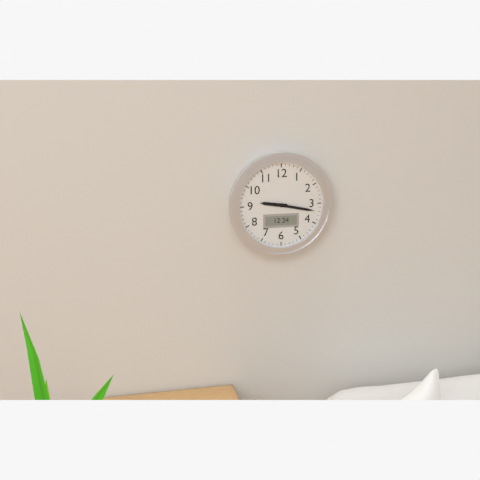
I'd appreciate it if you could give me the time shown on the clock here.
9:17
